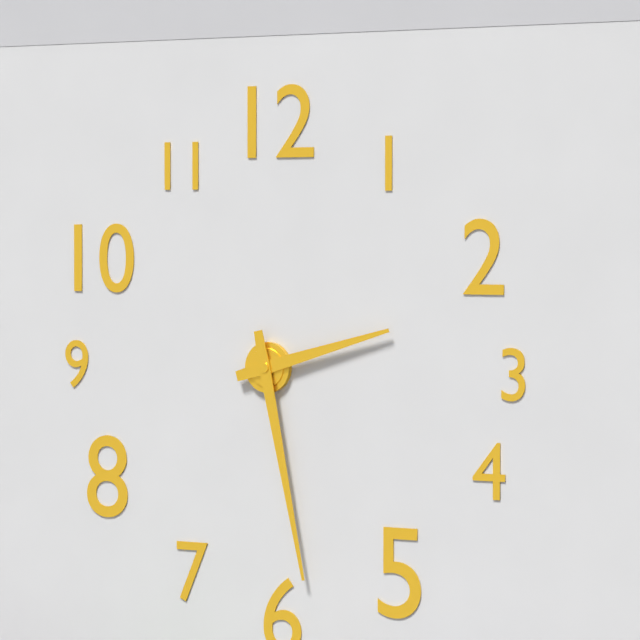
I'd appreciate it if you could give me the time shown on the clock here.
2:28
